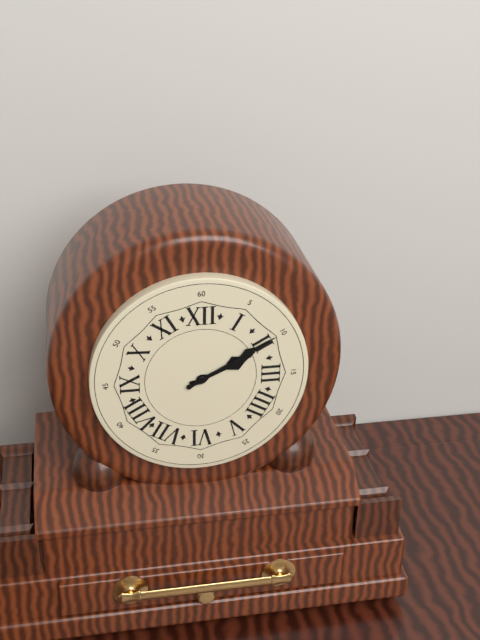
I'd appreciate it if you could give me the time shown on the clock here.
2:10
